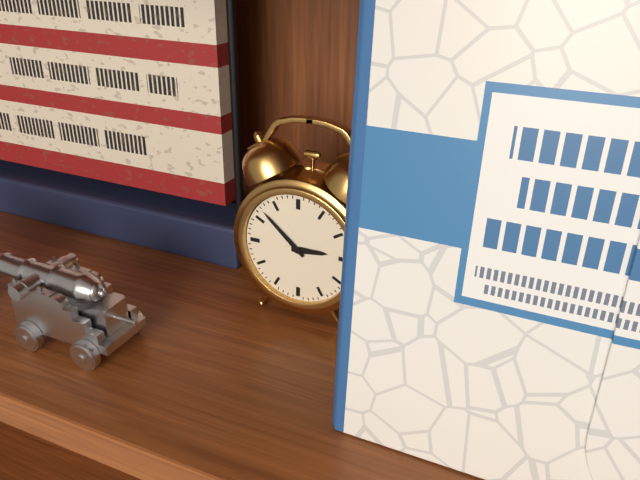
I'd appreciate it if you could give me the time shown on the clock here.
2:52
